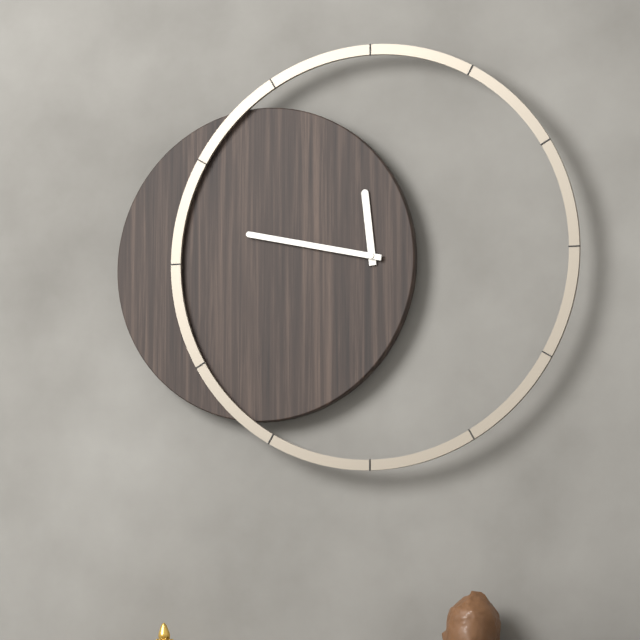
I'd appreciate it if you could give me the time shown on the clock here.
11:47
